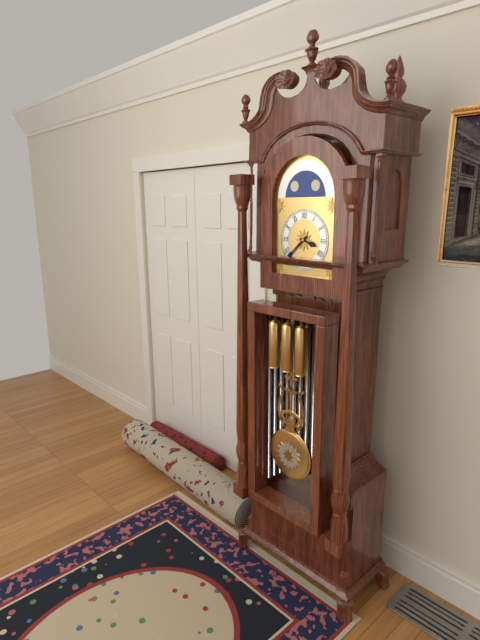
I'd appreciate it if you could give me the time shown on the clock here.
3:38
